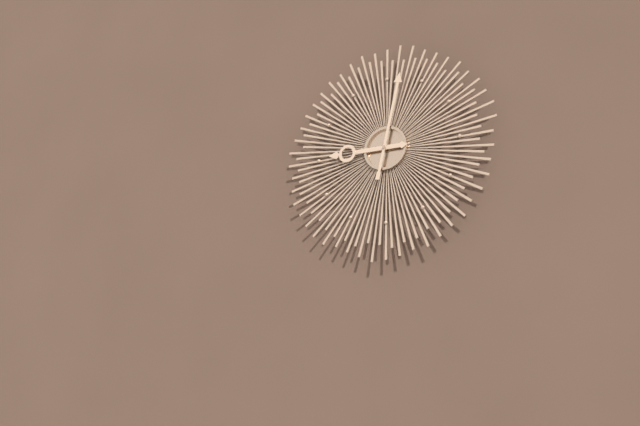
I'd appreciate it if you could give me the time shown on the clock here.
9:02
